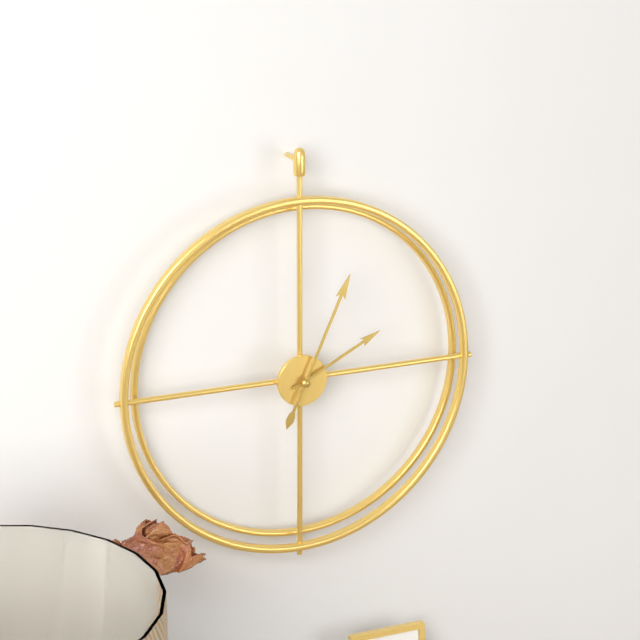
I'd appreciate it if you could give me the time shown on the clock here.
2:04
